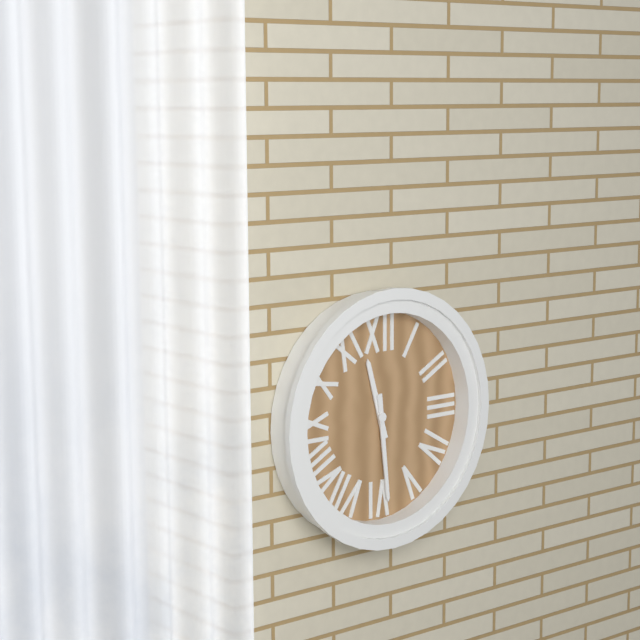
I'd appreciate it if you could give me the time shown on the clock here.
11:29
